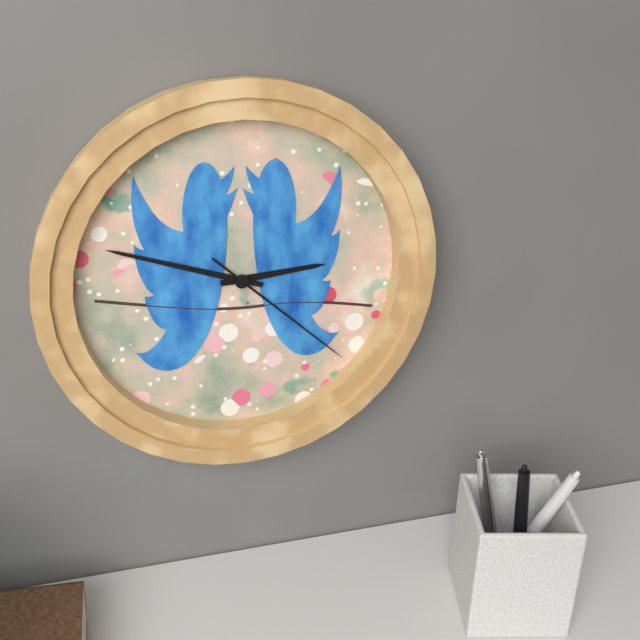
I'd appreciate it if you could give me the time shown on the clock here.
2:48:22
